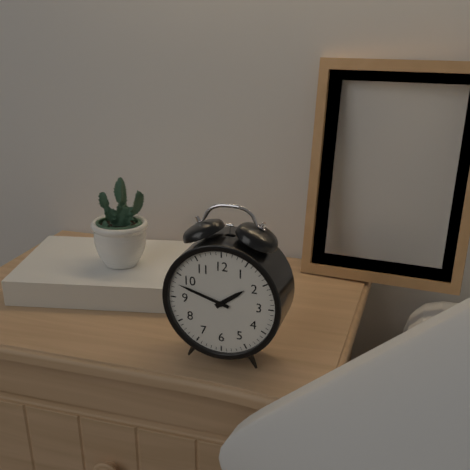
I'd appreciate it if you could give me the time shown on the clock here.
1:48
